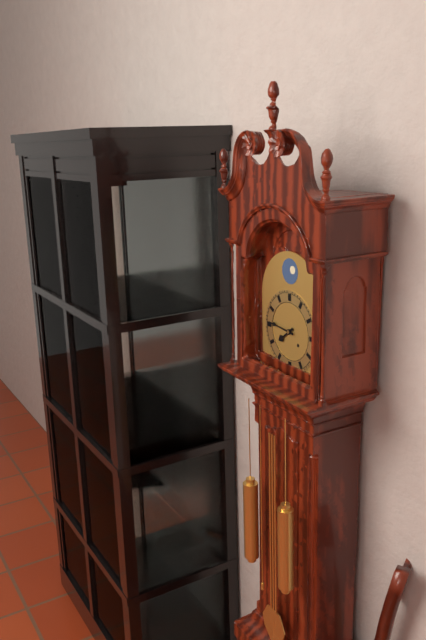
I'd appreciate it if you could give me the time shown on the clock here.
7:46
